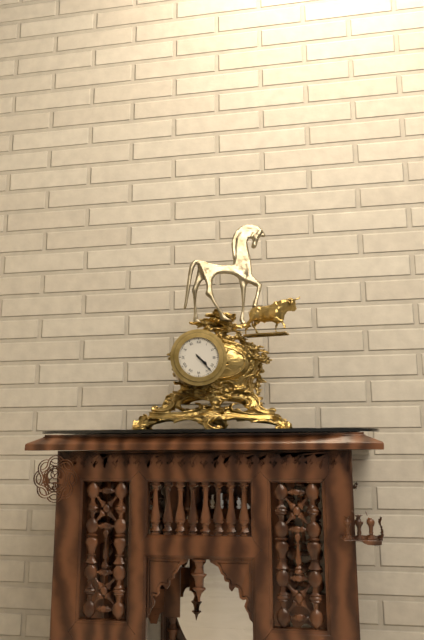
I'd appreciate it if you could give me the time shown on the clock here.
4:23
